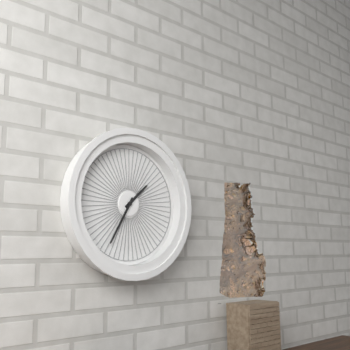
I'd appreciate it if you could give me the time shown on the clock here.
1:35
